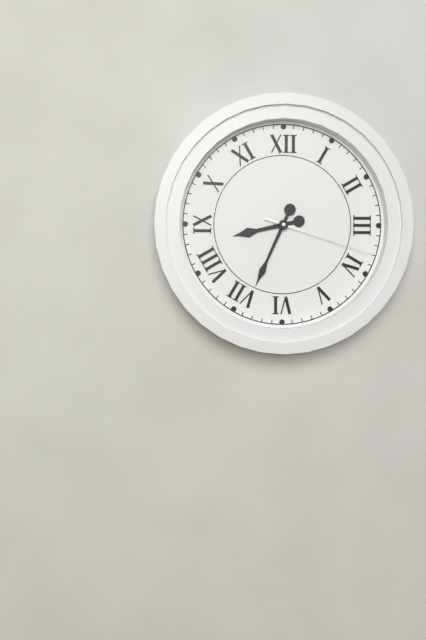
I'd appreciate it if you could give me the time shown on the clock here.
8:34:18
